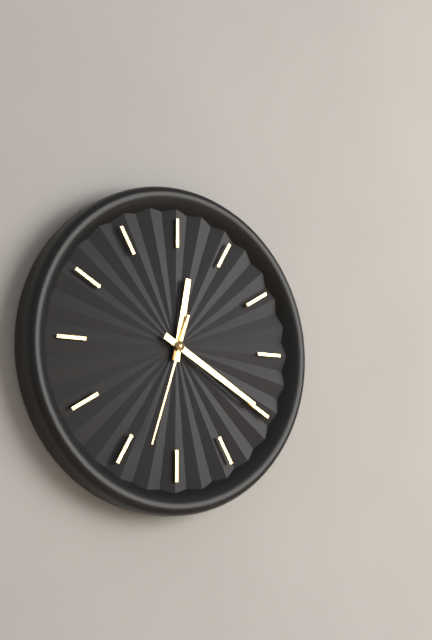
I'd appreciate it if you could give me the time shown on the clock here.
12:20:33
